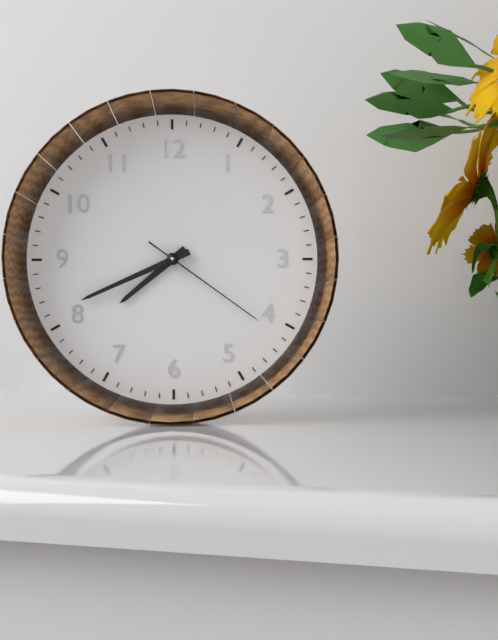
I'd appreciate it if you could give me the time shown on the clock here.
7:41:21
